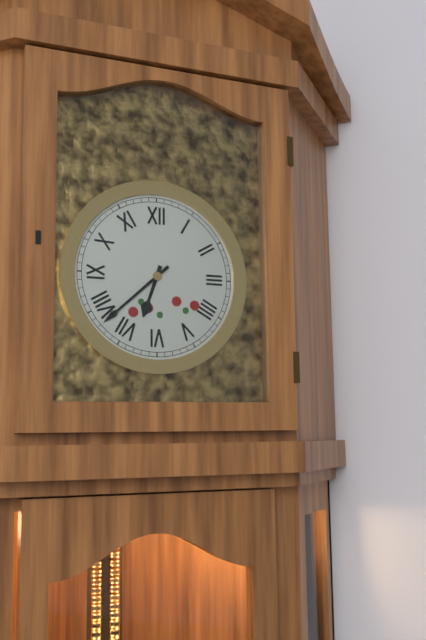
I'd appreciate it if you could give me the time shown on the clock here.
6:38
